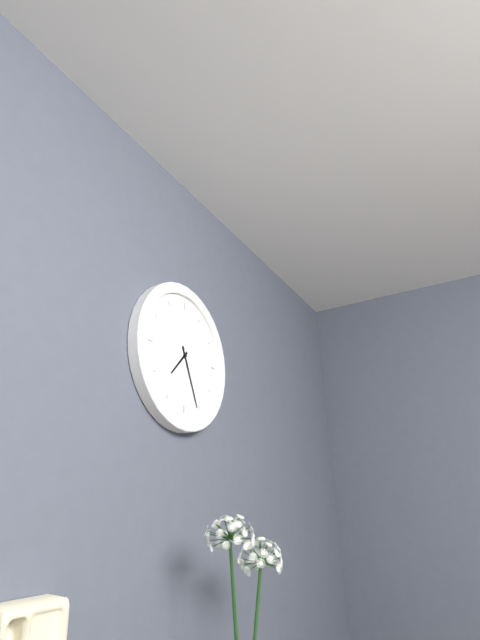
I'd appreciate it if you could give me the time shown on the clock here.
7:26
